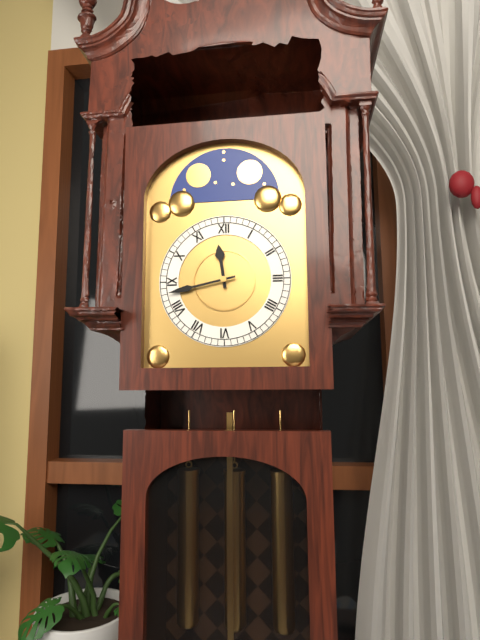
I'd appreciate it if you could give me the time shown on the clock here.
11:43
